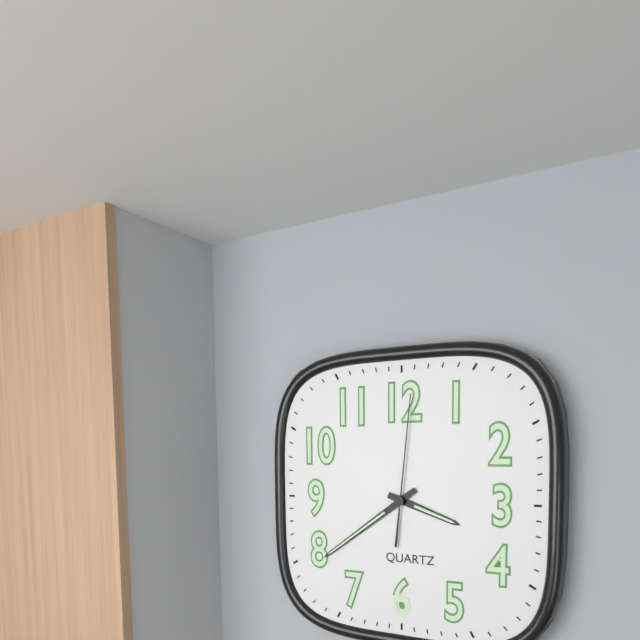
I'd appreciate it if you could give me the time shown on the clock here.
3:39:01
